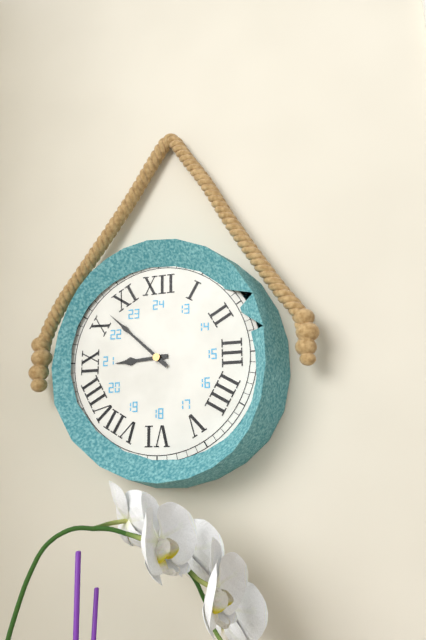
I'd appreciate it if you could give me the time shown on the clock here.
8:52
